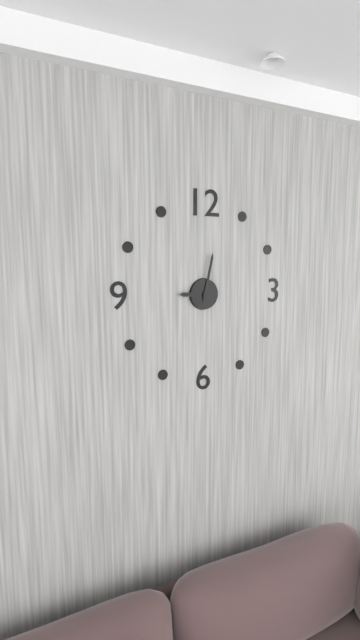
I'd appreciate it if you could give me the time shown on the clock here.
9:02
